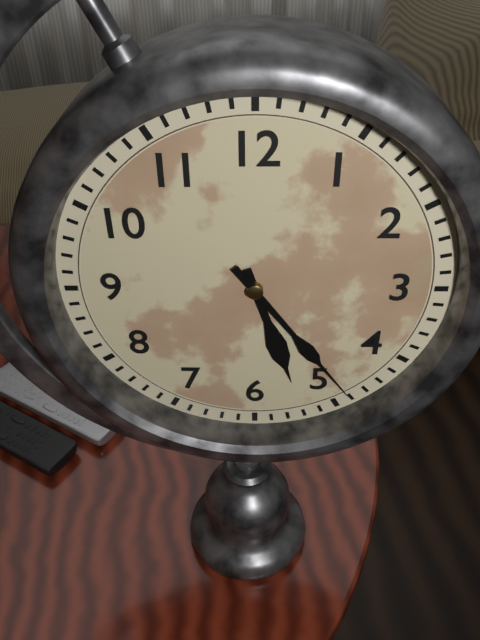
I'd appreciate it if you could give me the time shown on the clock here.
5:24
